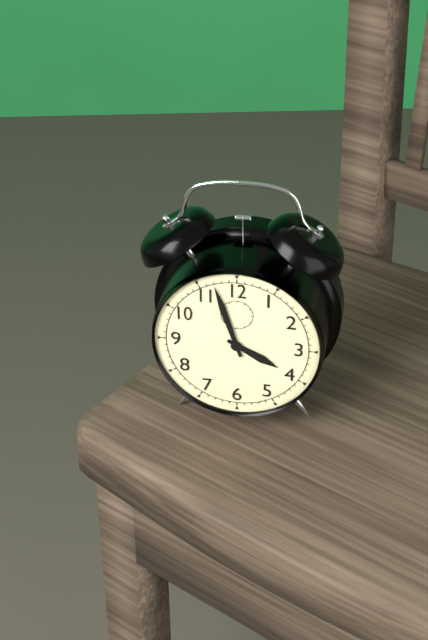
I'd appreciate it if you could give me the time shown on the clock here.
3:57
